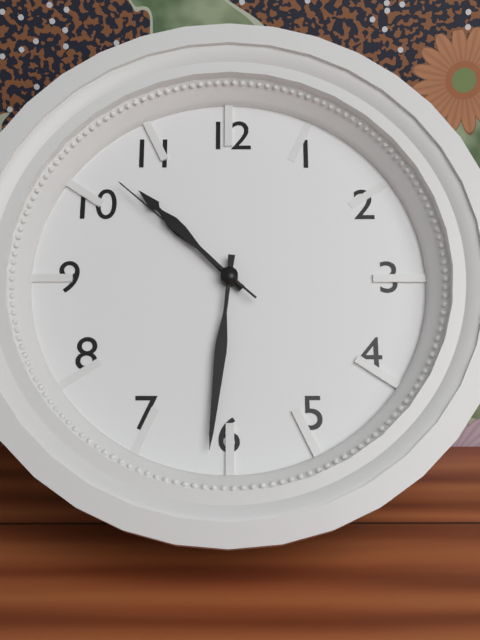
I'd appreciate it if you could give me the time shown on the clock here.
10:31:52
